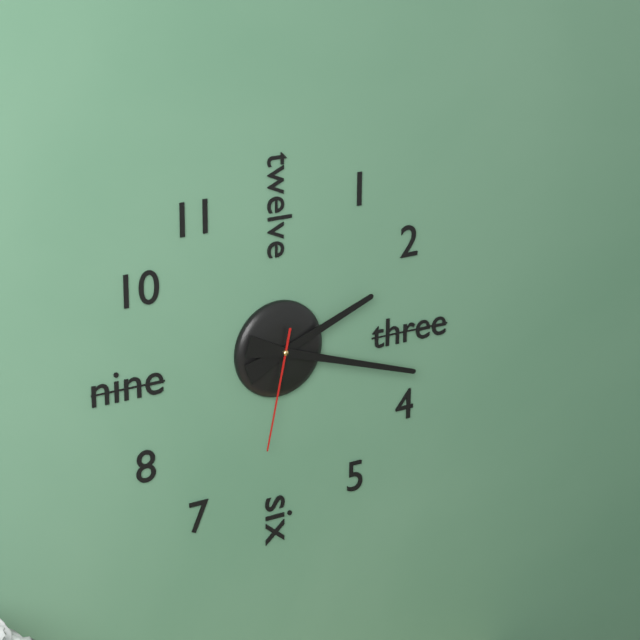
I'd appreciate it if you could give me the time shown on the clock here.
2:18:32
